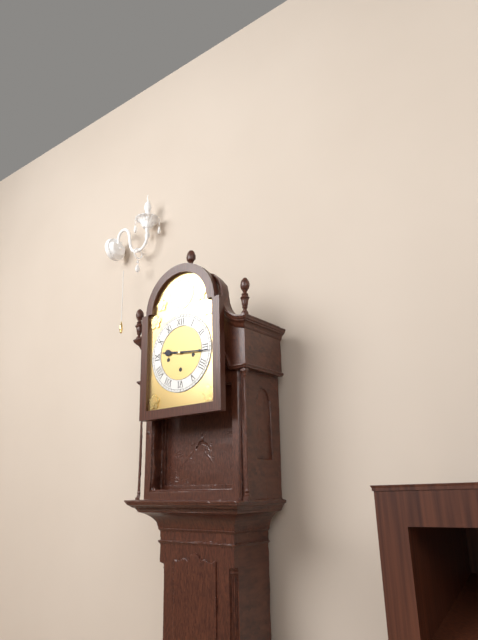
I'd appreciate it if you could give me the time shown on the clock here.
9:16
